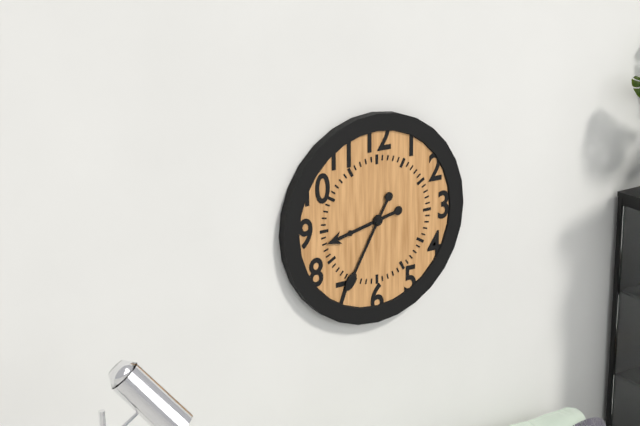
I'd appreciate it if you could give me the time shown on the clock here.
8:35
